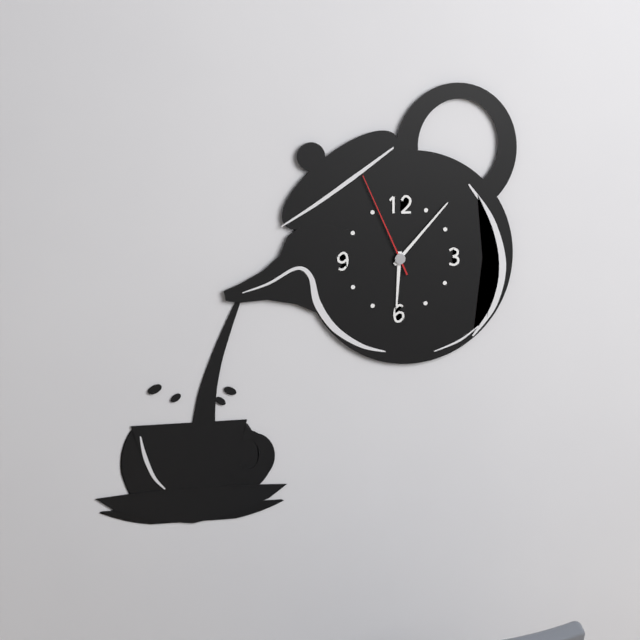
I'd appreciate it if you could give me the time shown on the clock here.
6:07:56
